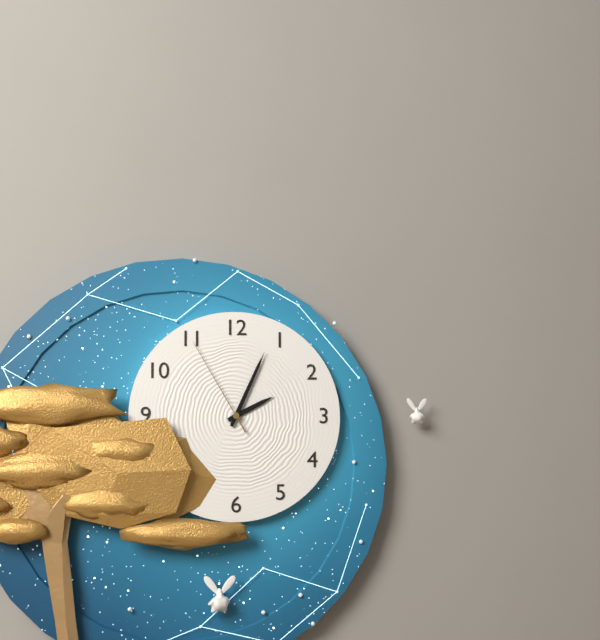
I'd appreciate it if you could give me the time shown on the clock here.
2:04:55
